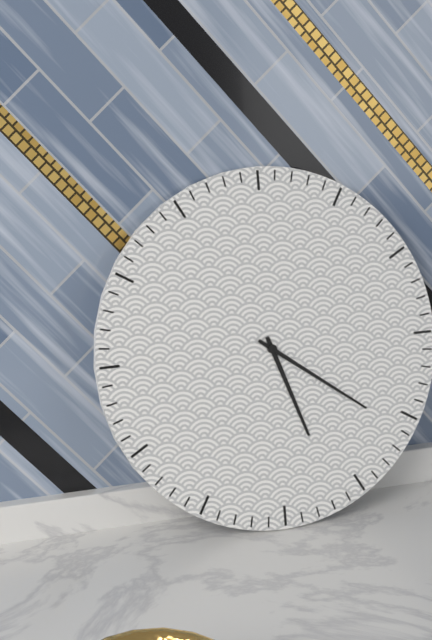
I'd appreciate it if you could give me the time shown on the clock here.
5:21
